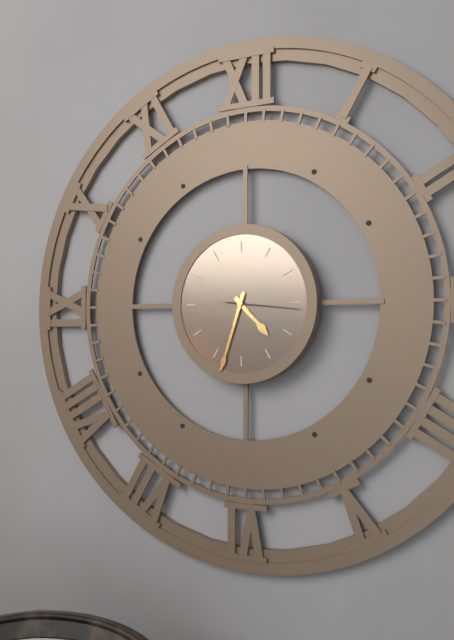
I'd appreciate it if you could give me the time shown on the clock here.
4:33:16
